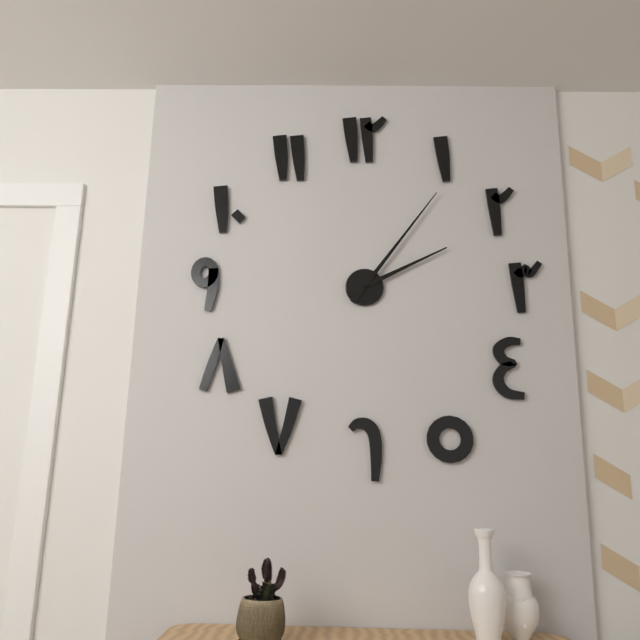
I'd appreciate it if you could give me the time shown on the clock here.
2:06
